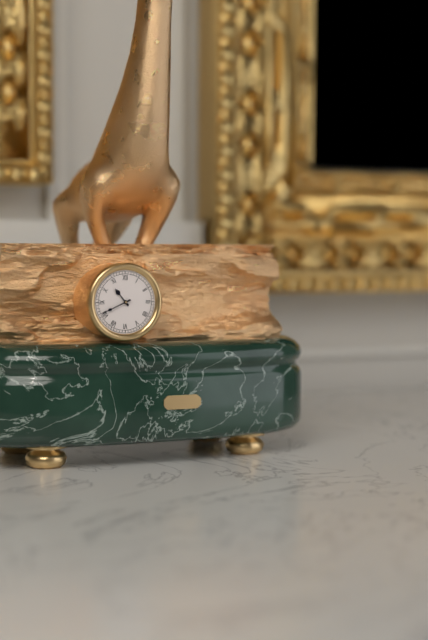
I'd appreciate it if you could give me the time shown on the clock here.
10:41
